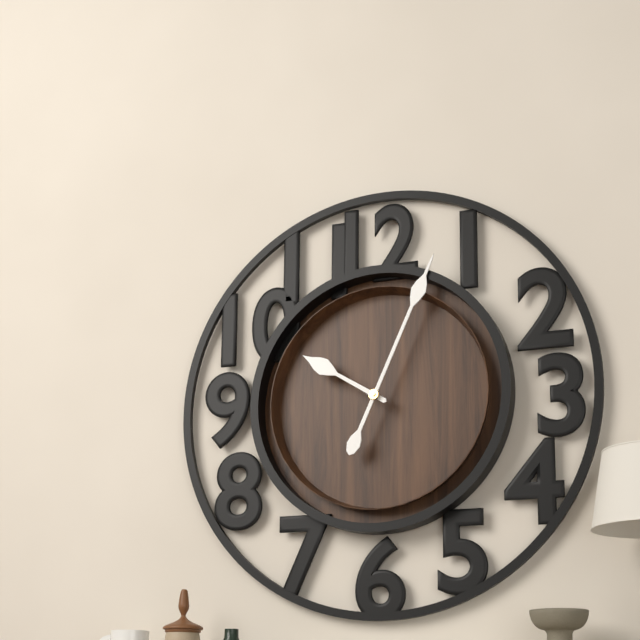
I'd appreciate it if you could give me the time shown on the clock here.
10:04
